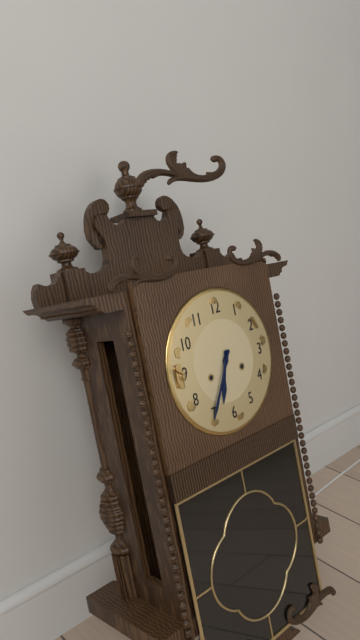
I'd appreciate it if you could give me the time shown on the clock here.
6:35
